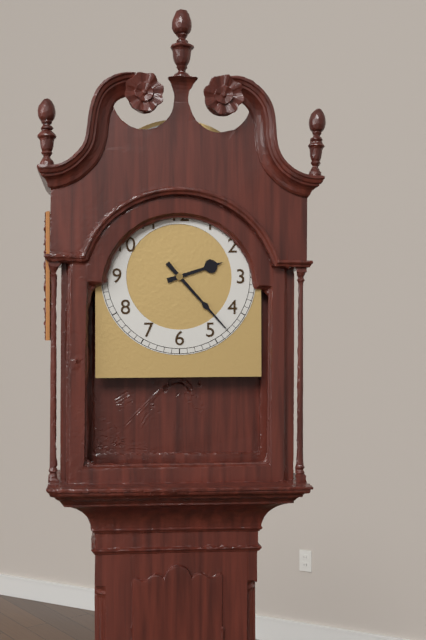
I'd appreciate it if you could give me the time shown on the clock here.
2:23
